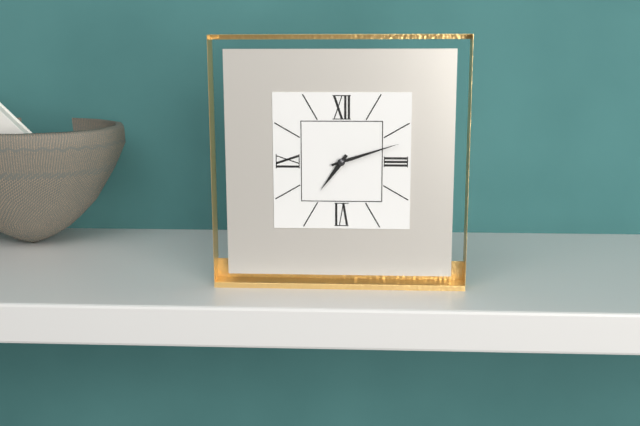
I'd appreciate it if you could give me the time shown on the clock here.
7:12
